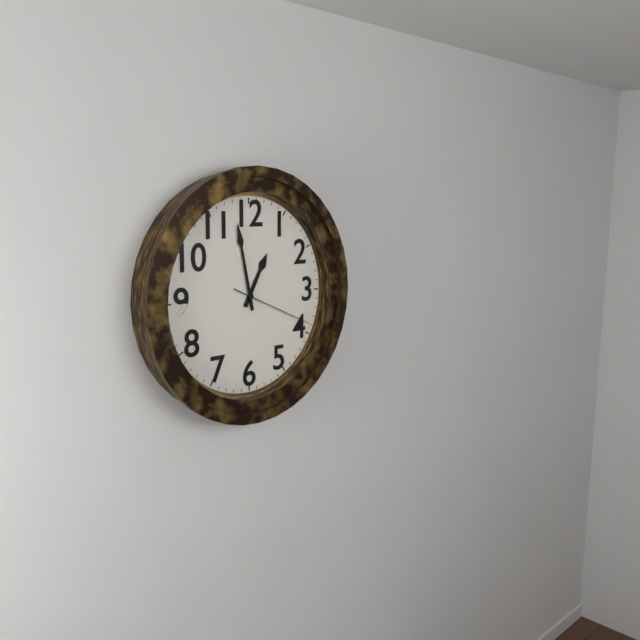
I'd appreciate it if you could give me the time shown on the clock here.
12:58:19
